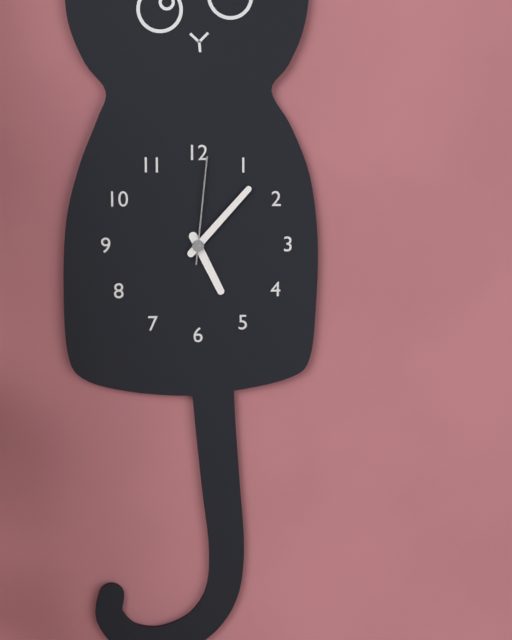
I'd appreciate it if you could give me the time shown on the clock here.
5:07:01
